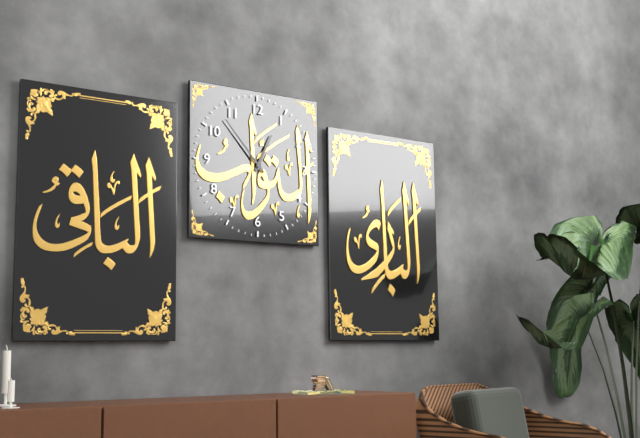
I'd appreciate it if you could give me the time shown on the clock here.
12:53
